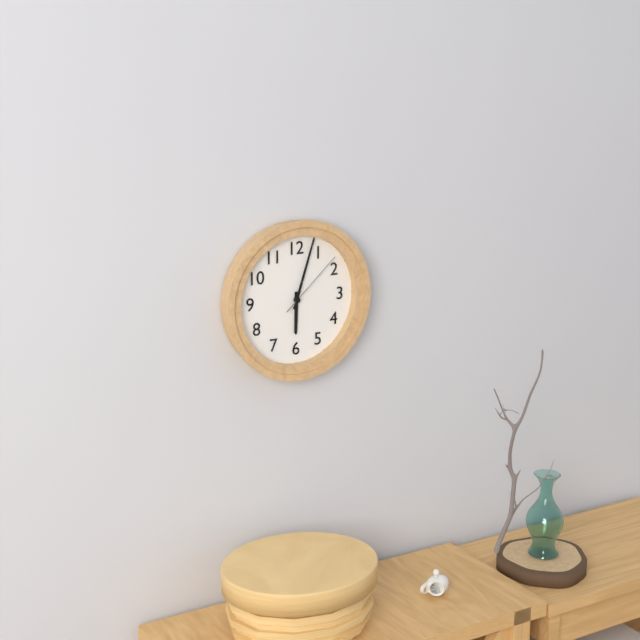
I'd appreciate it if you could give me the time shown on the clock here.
6:03:08
